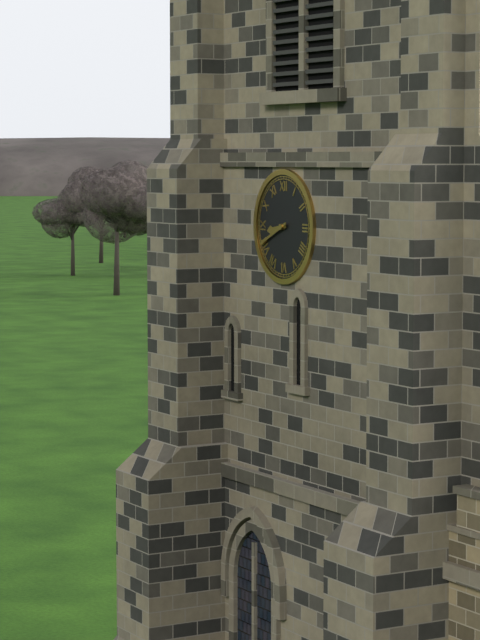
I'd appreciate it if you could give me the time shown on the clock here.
8:41
